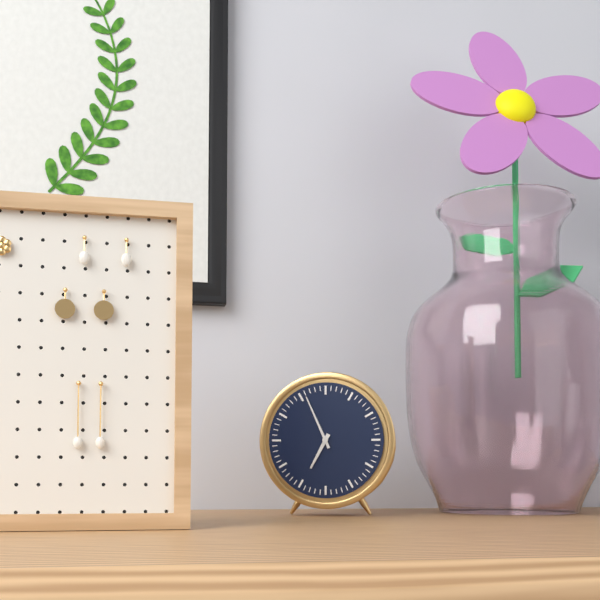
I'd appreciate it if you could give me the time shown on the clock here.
6:56
